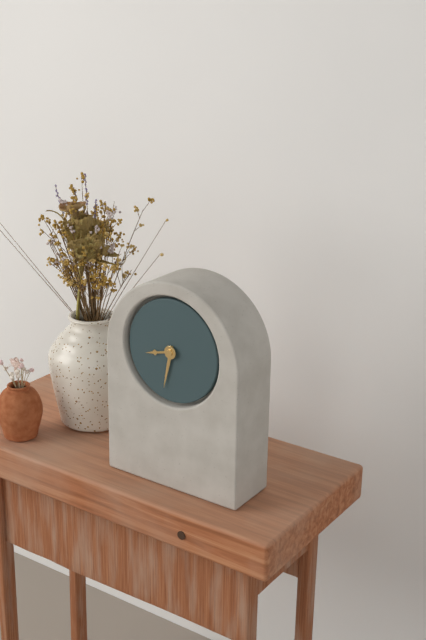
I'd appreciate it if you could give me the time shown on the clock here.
8:32
